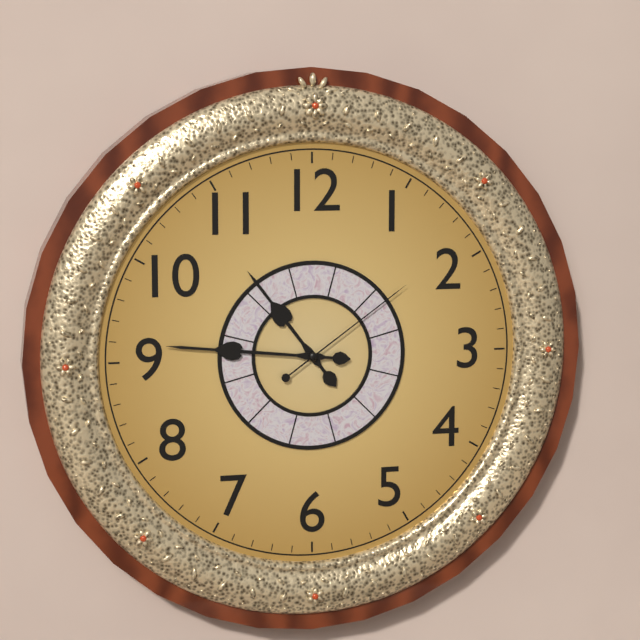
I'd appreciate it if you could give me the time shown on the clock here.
10:46:09
